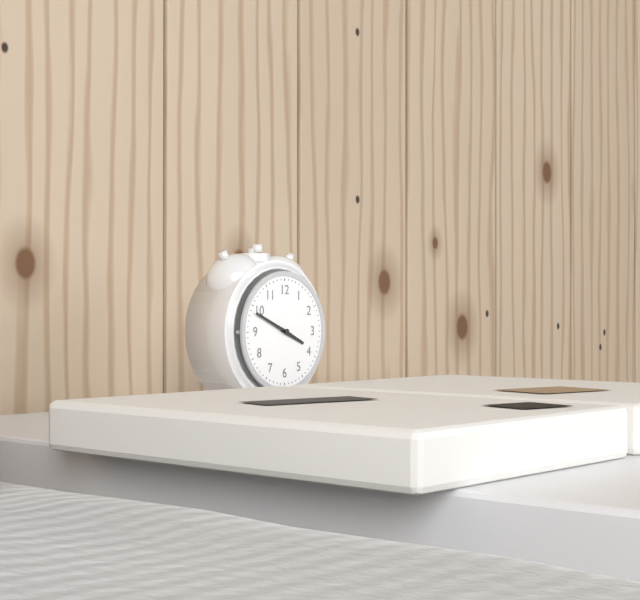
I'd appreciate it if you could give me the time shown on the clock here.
3:49
